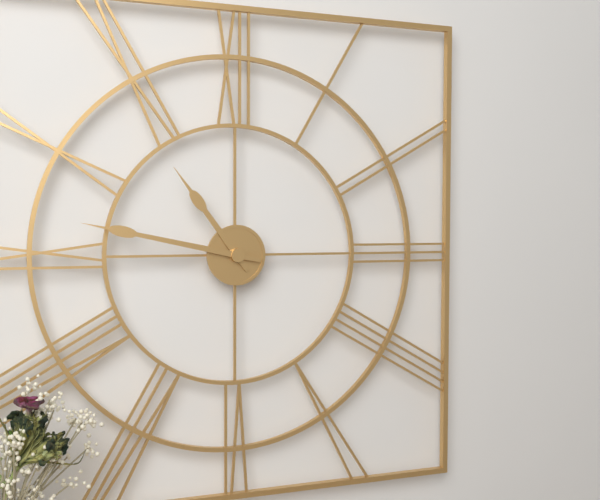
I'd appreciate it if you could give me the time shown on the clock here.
10:47
